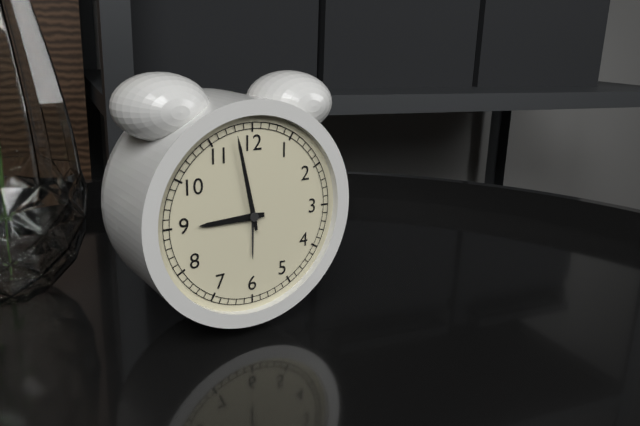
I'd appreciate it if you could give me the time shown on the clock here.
8:58
